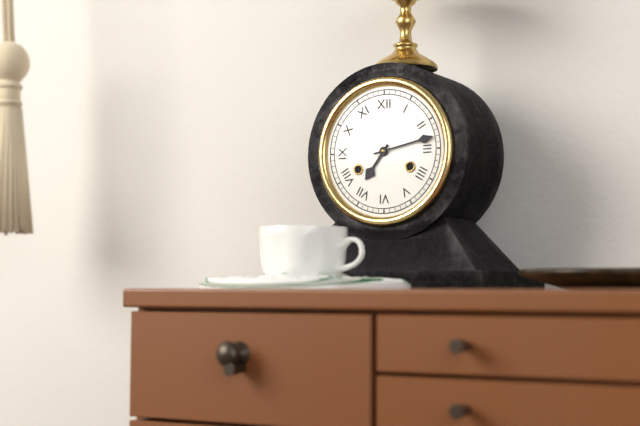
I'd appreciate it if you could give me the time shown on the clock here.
7:13
